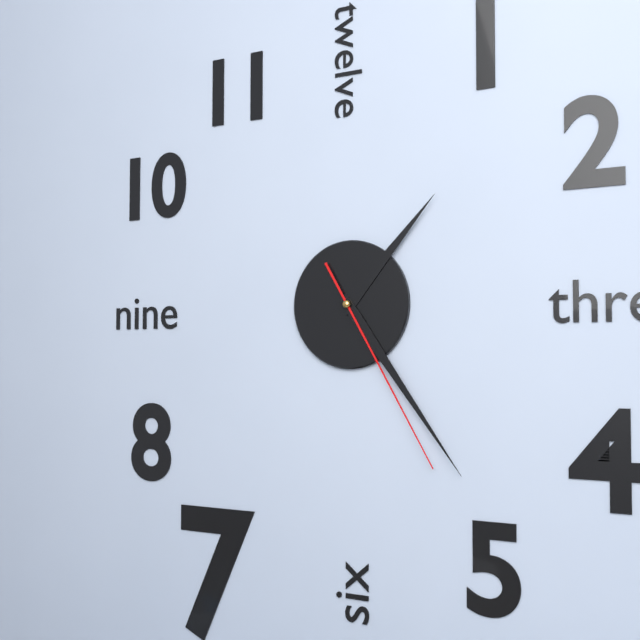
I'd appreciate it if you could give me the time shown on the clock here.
1:24:25
